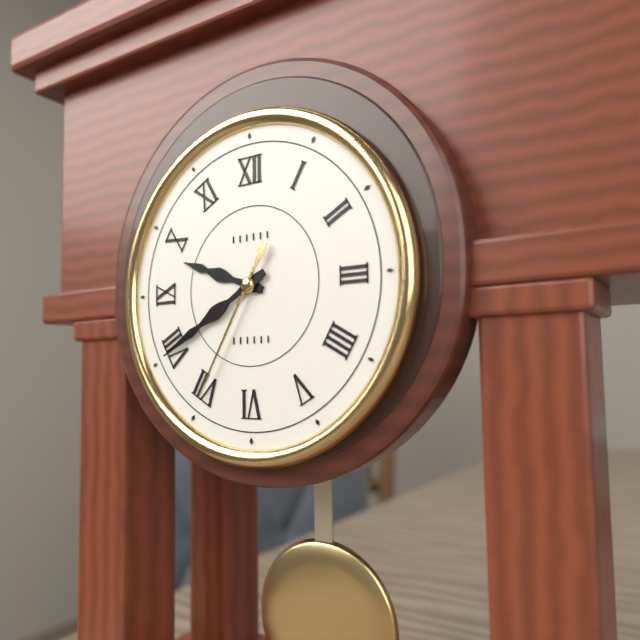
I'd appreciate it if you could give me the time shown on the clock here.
9:40:35
